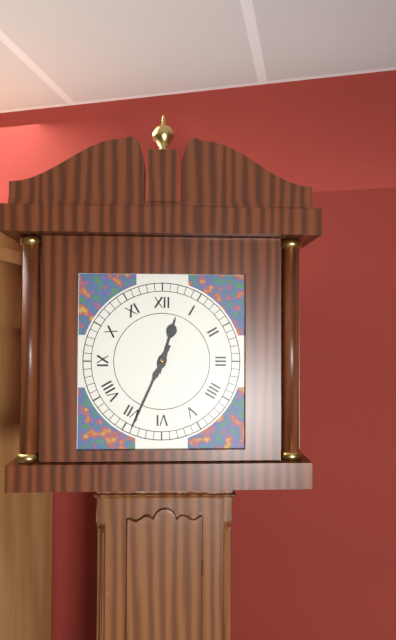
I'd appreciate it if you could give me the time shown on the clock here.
12:34
